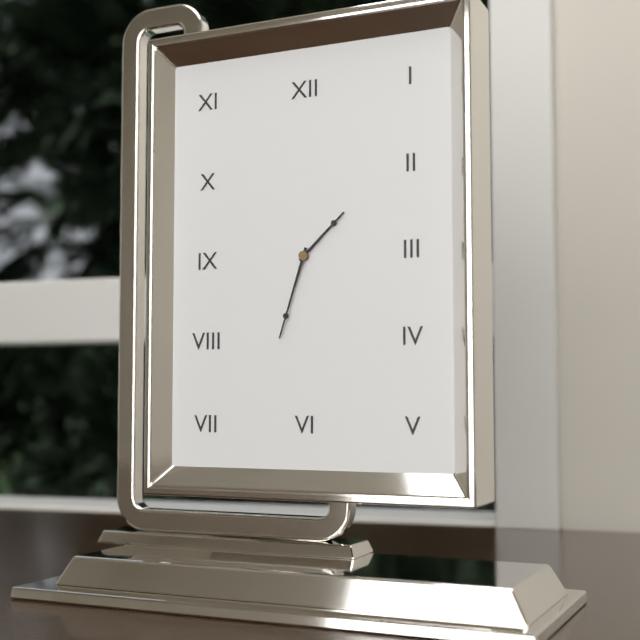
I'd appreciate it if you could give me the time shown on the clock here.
1:33
